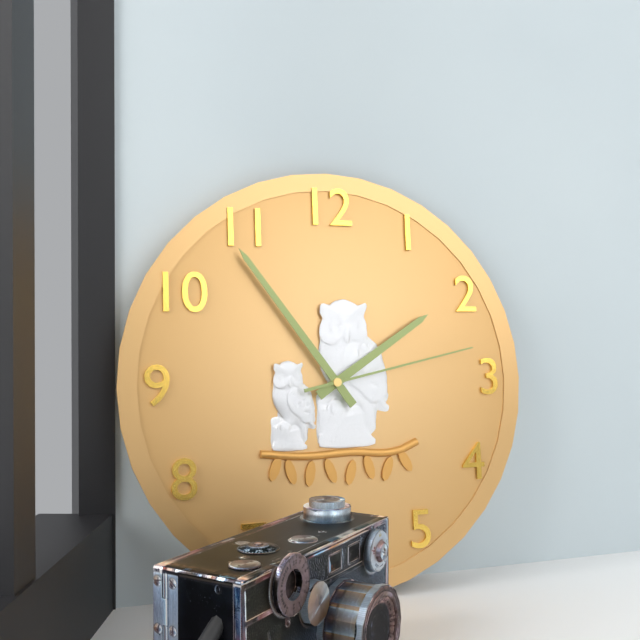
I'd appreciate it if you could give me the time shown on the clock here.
1:54:13
